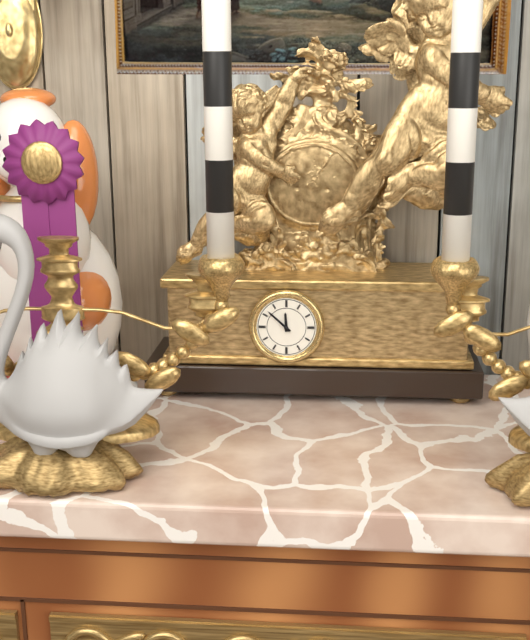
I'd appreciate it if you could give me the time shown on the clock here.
11:52
